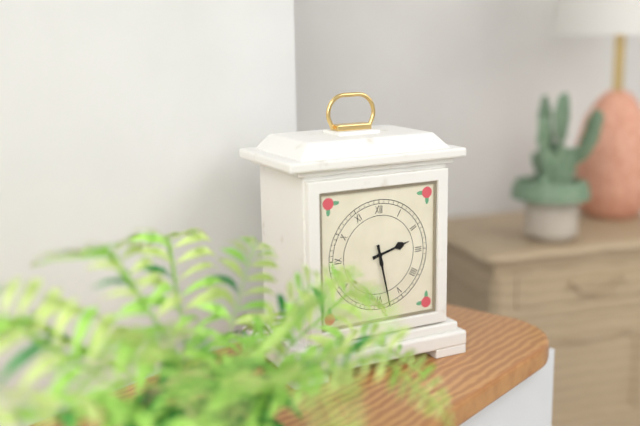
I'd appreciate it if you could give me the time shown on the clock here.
2:28
